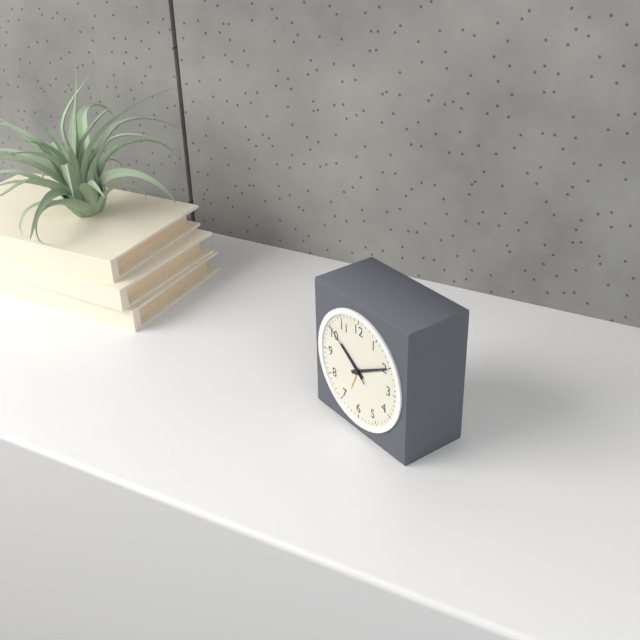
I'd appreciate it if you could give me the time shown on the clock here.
10:10:51
